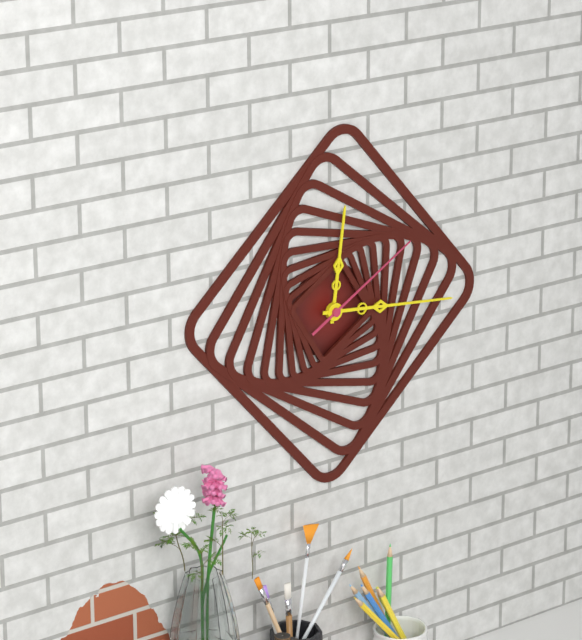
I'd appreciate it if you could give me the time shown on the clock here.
12:16:10
